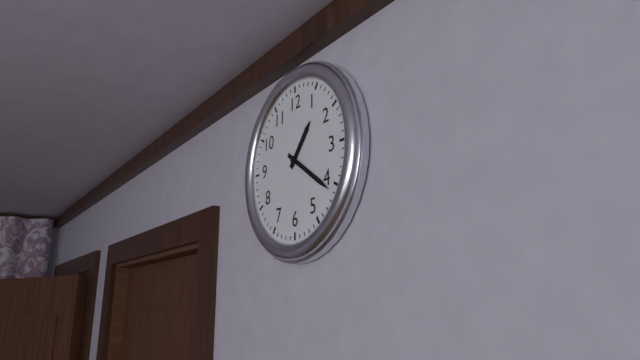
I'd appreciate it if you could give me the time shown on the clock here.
1:21
